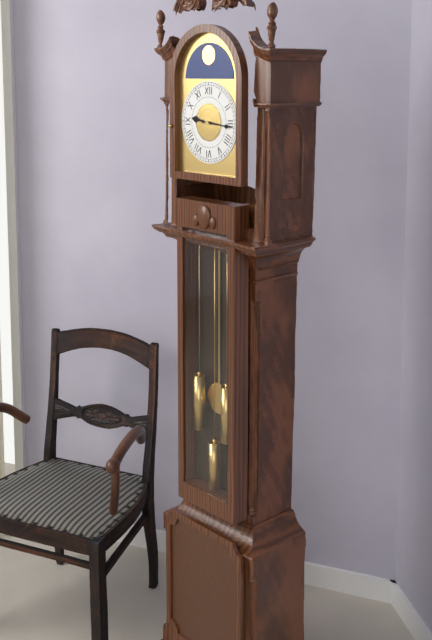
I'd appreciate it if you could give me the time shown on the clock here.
9:16
